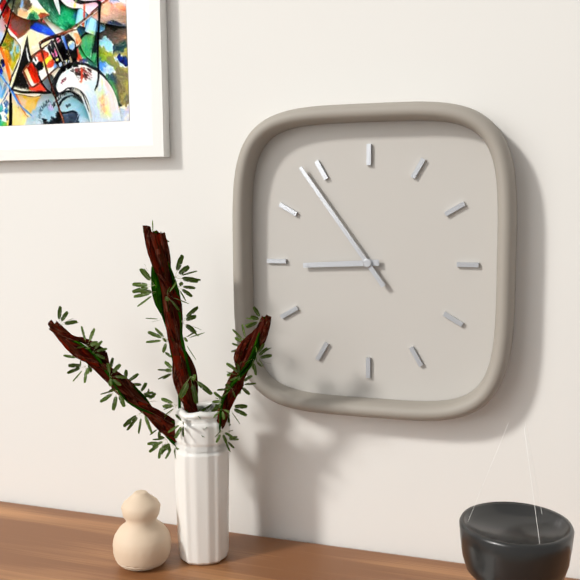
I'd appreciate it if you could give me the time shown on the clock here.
8:54
